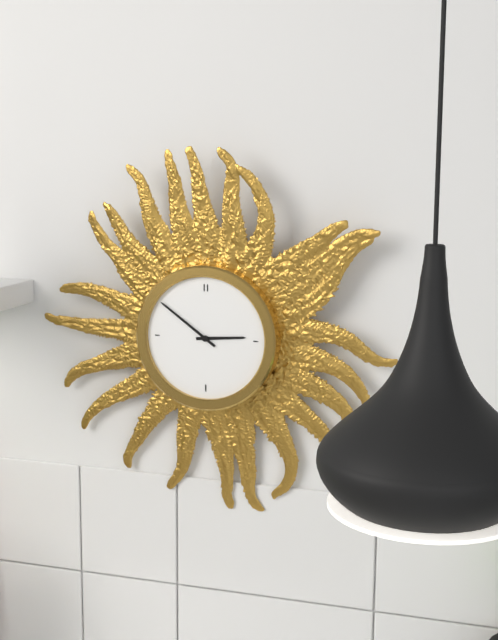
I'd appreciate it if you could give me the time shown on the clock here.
2:51
